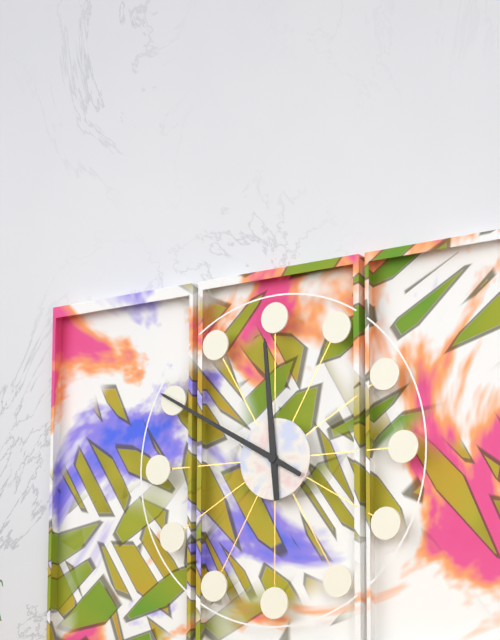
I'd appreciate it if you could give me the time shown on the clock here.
11:50
